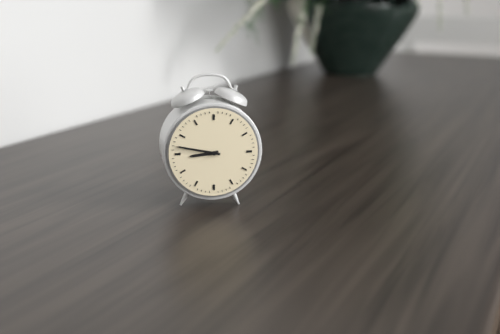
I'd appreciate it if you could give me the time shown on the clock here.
8:47
